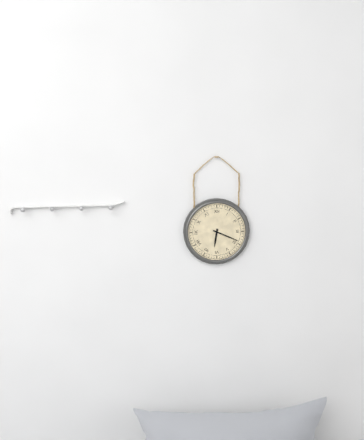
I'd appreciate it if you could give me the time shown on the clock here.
6:19
